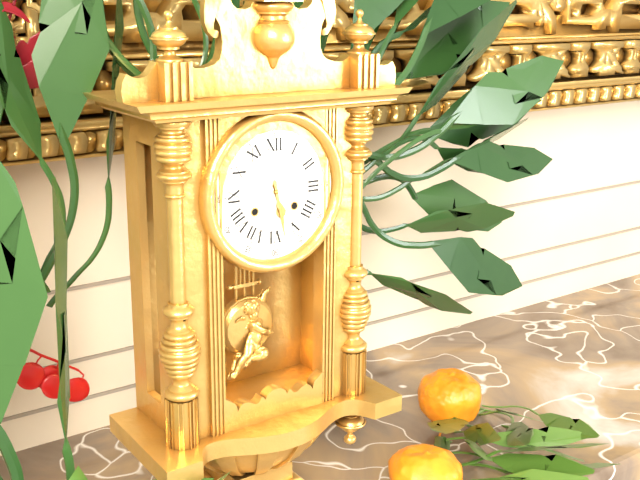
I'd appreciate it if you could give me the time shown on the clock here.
5:28
